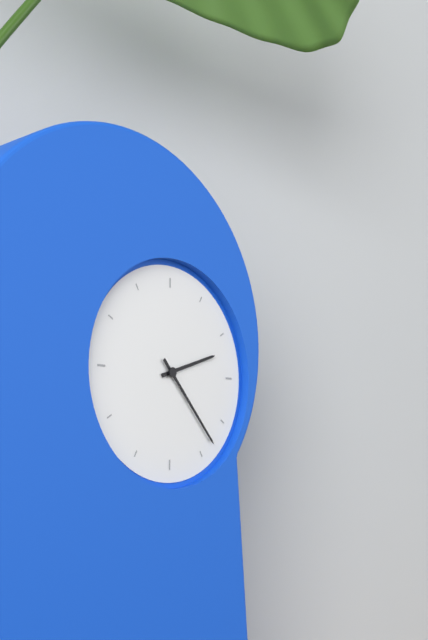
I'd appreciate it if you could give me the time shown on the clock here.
2:23
